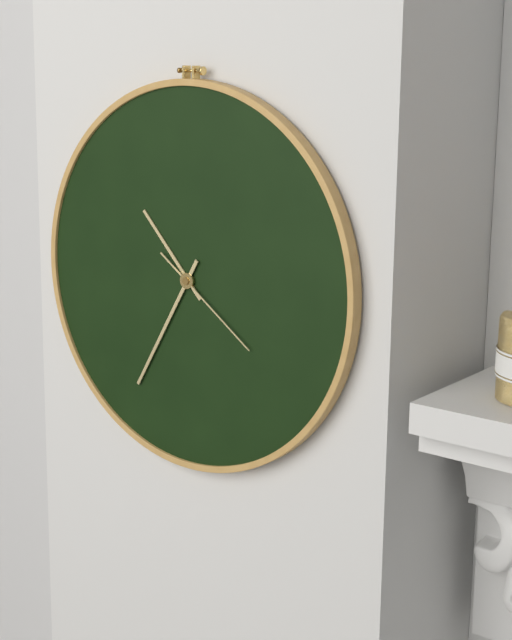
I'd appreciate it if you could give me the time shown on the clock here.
10:35:21
